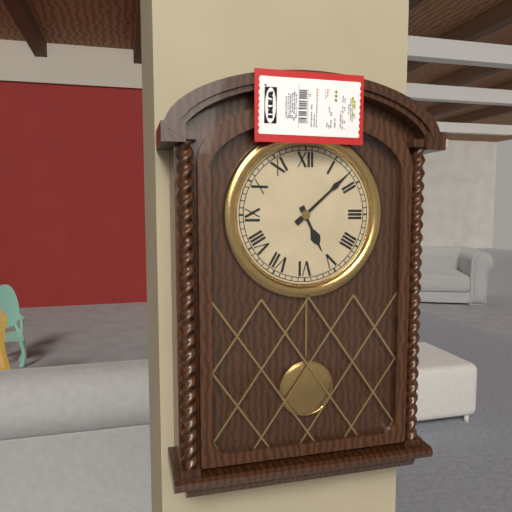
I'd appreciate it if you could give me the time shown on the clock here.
5:08
